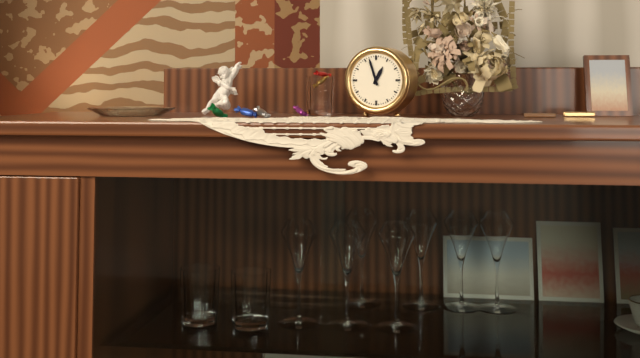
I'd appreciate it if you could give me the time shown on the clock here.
12:57
